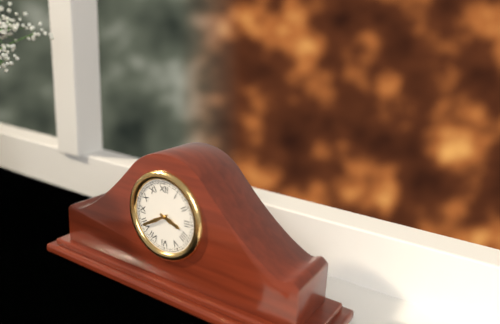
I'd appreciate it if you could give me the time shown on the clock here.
3:40
